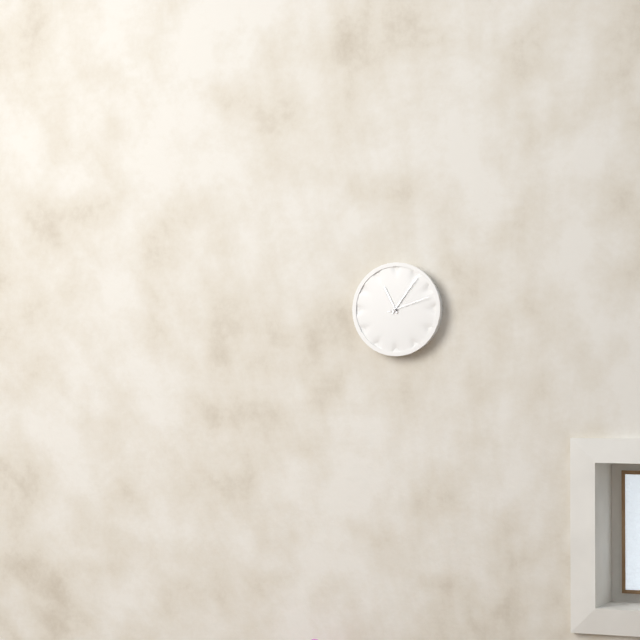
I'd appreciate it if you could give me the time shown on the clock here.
11:06
